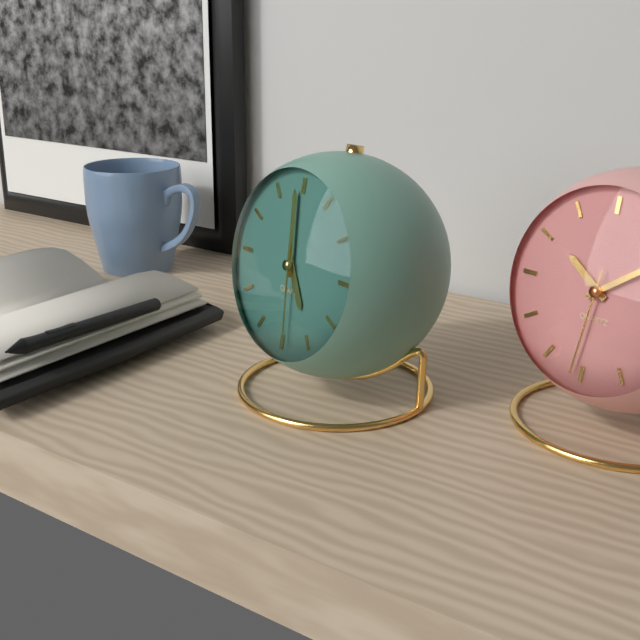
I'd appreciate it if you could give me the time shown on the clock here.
4:59:29
